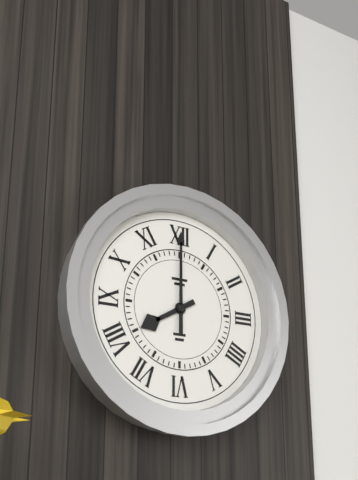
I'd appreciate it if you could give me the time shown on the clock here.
8:00
